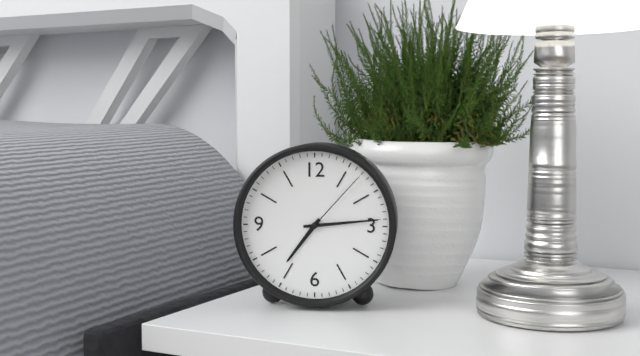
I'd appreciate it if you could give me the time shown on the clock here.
7:14:07
